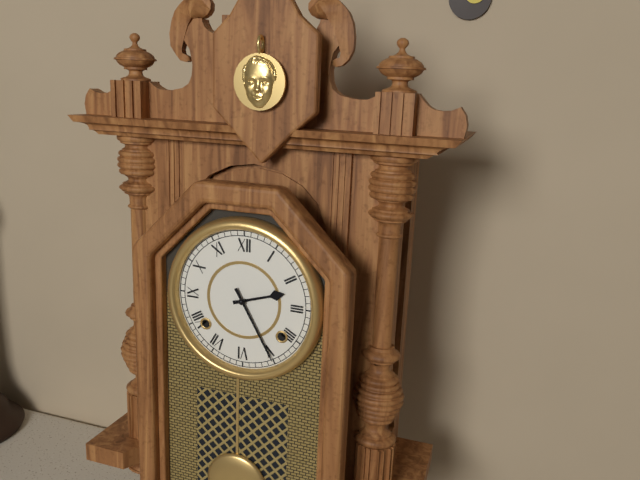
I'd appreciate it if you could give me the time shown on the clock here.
2:25
